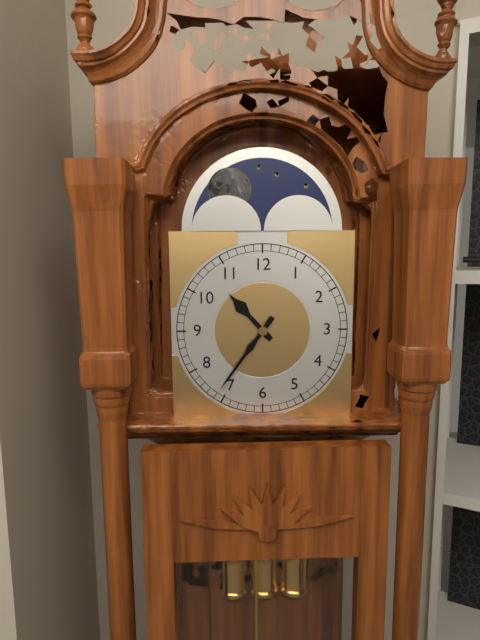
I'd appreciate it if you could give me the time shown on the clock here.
10:36
